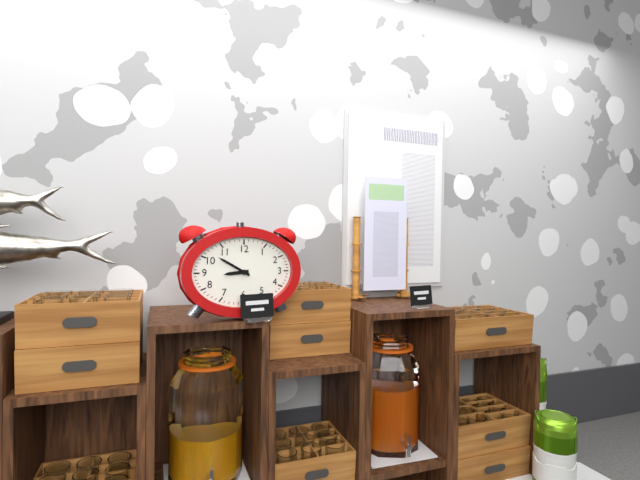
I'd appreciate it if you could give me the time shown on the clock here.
8:50
